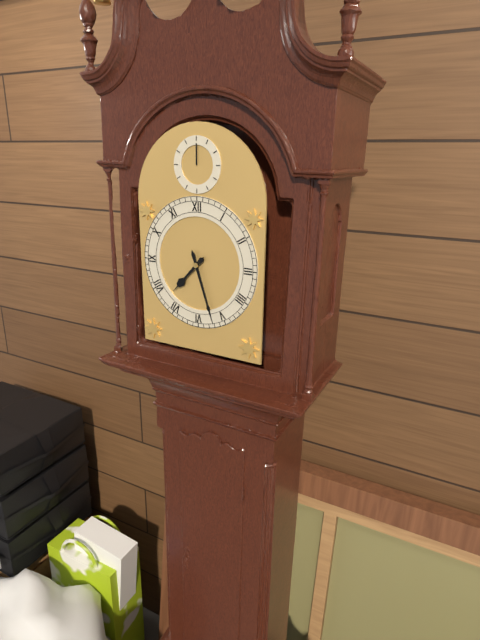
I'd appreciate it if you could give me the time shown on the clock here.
7:27
